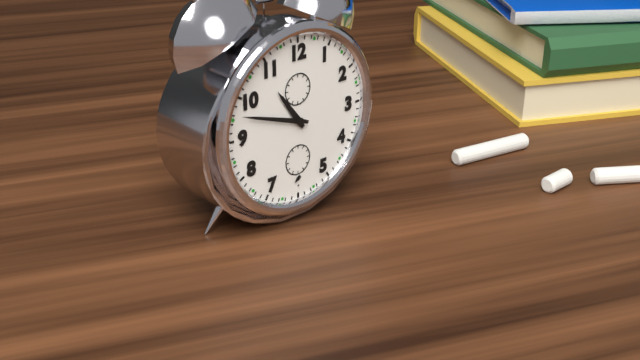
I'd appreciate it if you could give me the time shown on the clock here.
10:48
